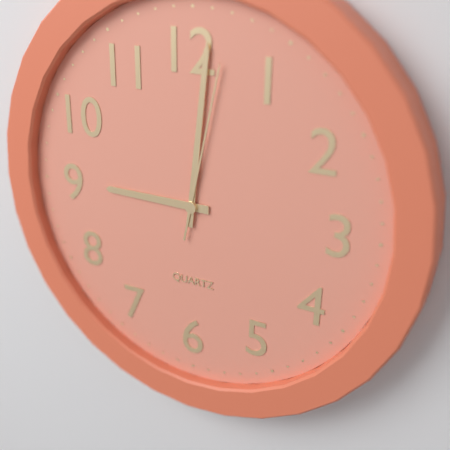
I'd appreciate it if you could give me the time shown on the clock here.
9:01:02
